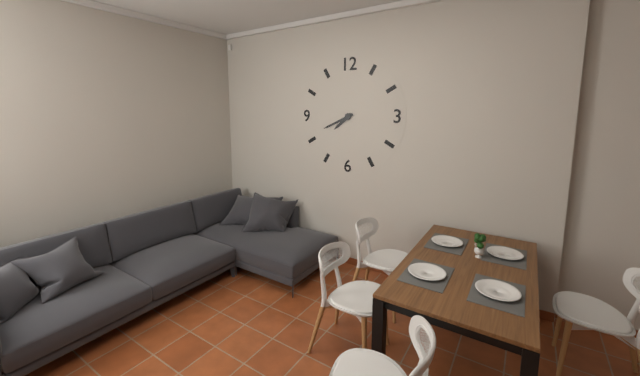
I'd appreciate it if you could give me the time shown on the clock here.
7:41
